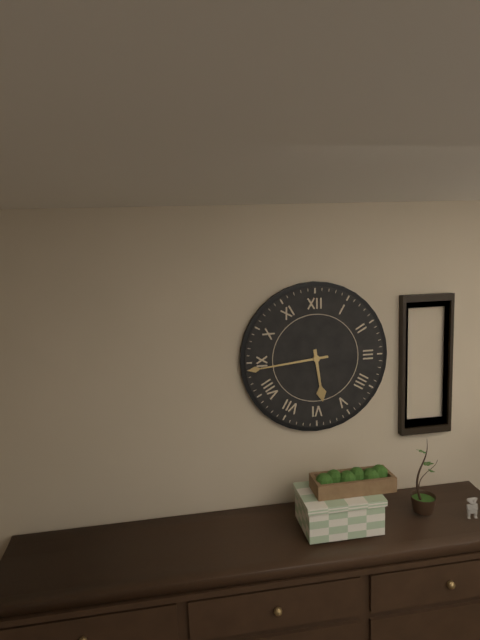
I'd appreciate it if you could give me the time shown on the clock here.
5:44
